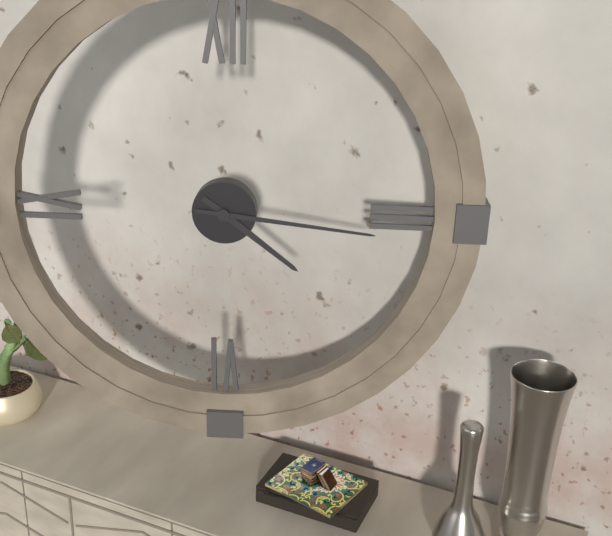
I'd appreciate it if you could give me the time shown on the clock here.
4:16
